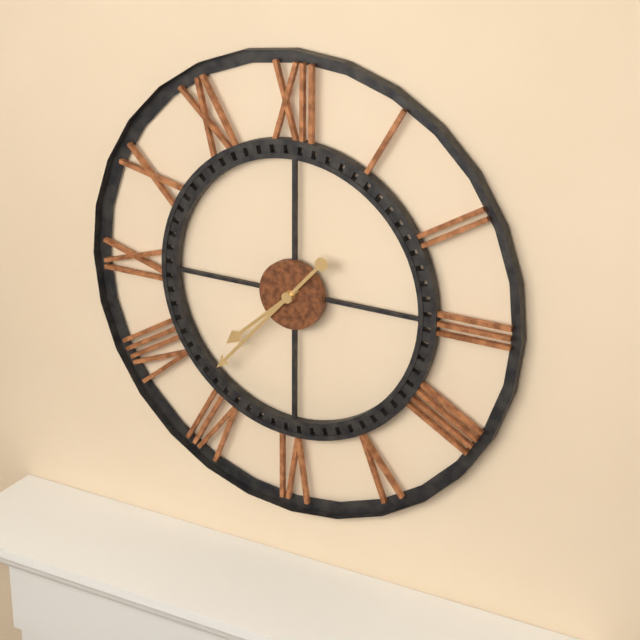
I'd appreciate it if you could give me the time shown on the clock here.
7:37
